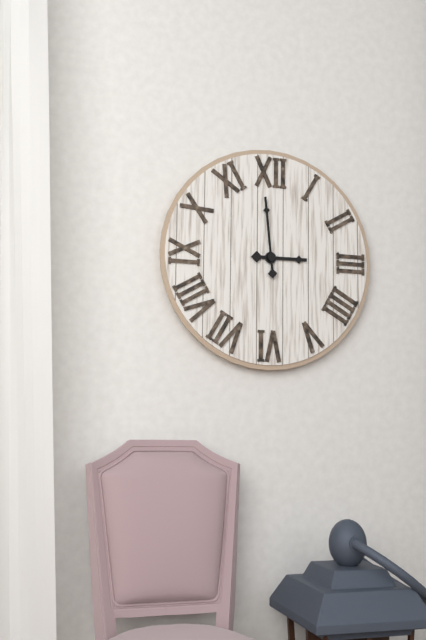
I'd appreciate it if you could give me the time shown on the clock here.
2:59
